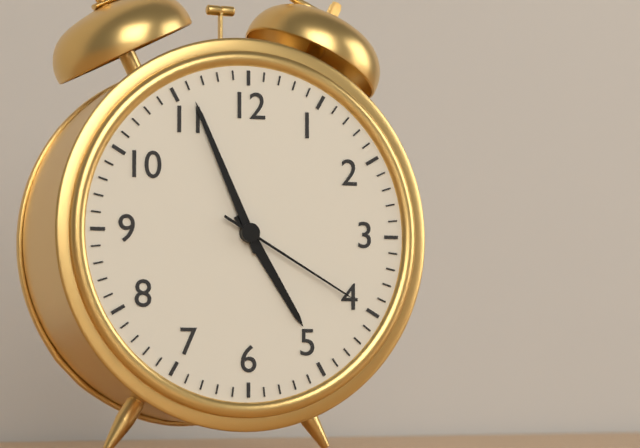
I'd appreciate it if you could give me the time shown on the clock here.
4:56:20
